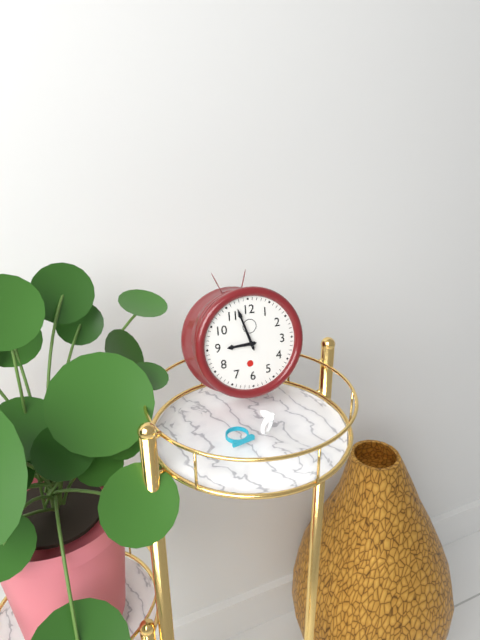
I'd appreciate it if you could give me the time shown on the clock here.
8:57
